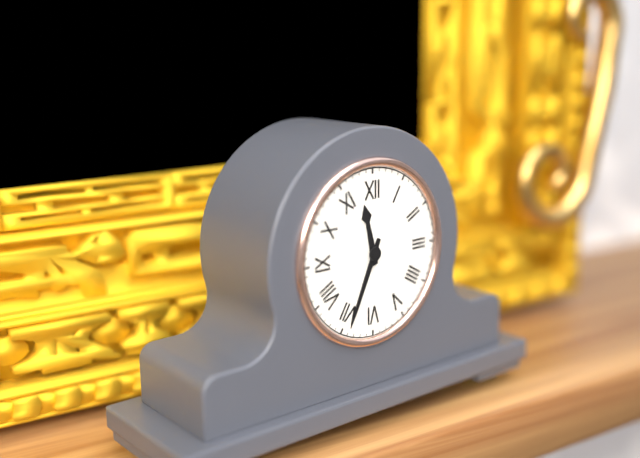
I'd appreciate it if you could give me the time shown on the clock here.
11:34
